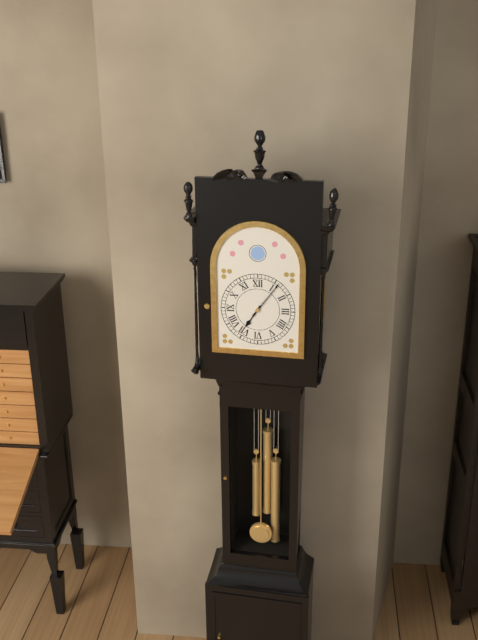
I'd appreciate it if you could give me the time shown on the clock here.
7:06
